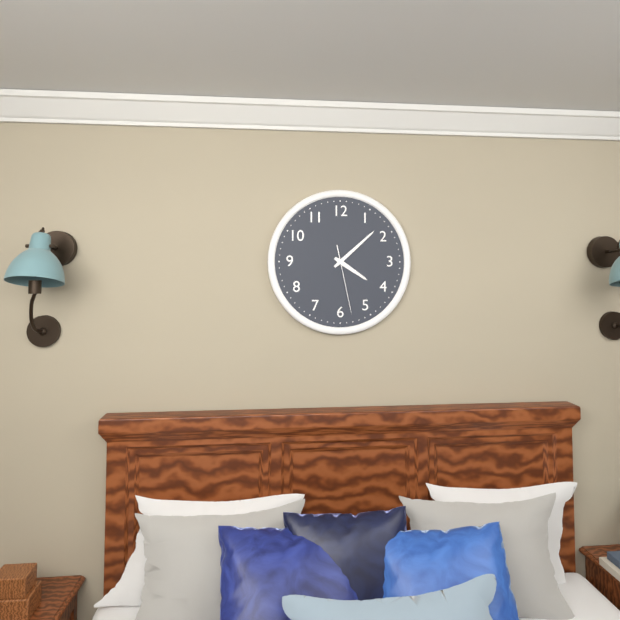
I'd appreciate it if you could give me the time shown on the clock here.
4:08:28
